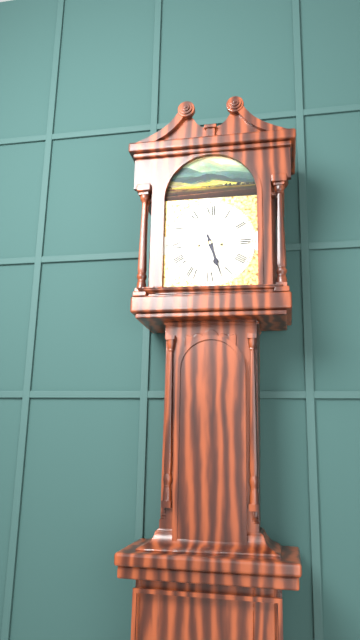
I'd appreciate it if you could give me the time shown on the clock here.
5:27
